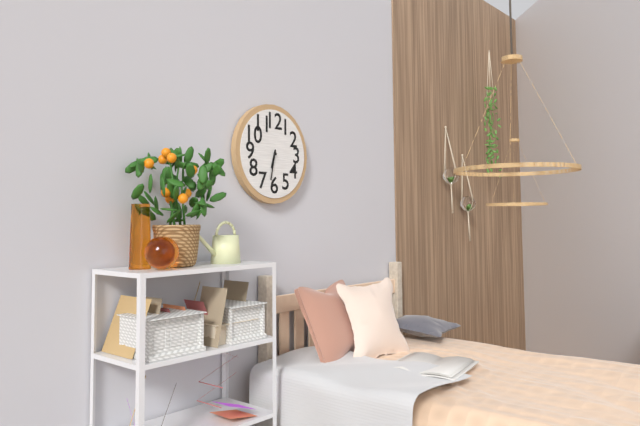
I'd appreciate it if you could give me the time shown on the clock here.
6:32
